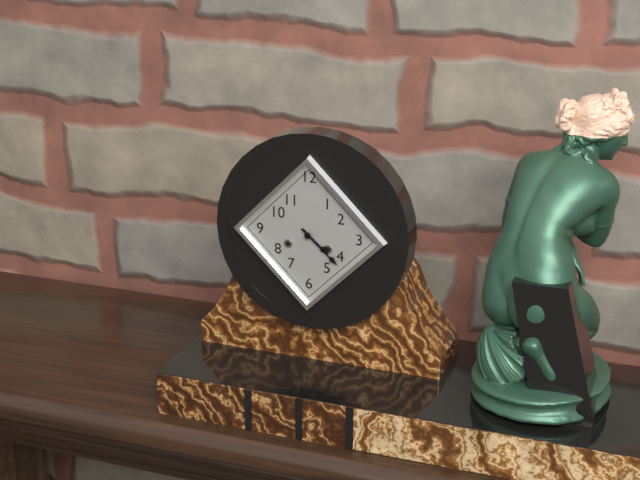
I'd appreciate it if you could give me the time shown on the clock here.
4:22
